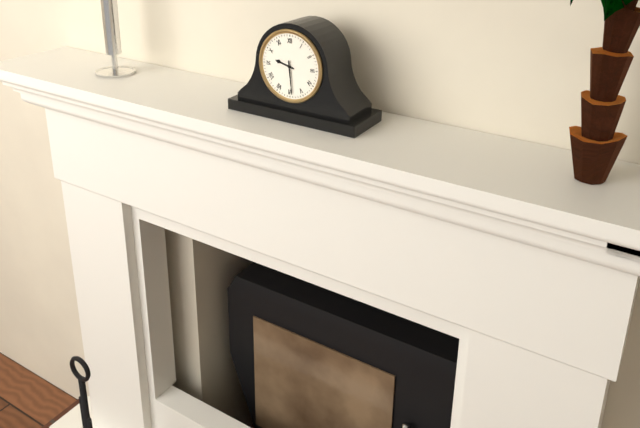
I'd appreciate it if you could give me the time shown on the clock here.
9:29
